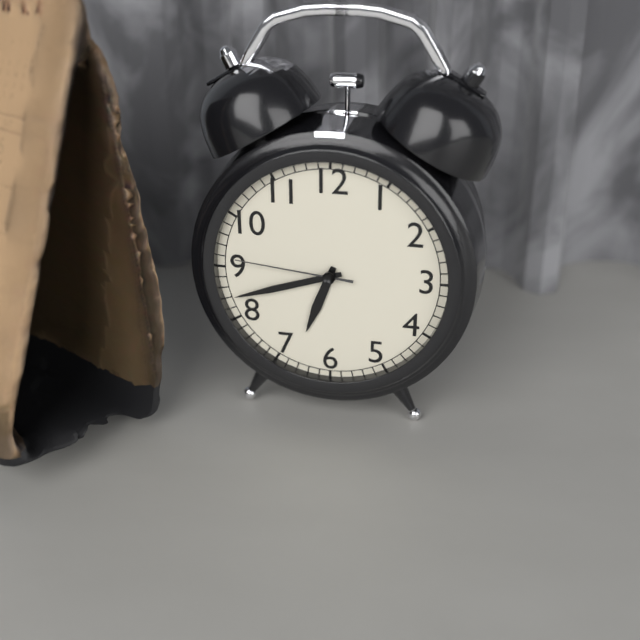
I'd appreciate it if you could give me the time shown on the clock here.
6:42:46
